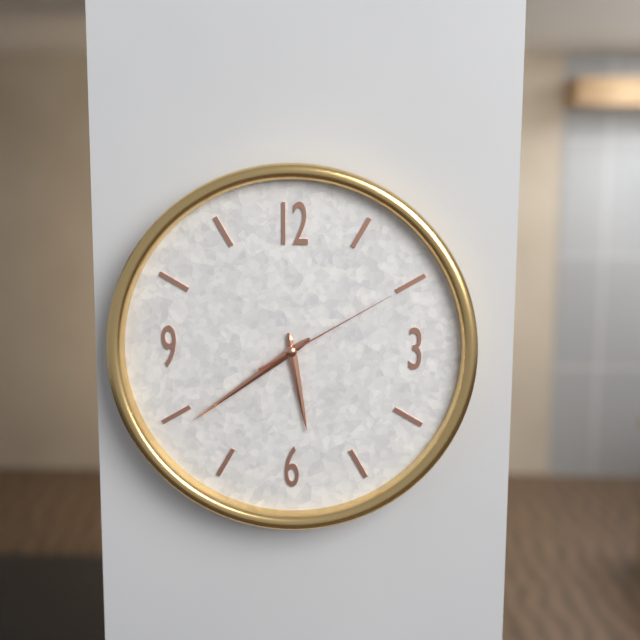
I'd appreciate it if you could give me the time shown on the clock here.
5:39:10
